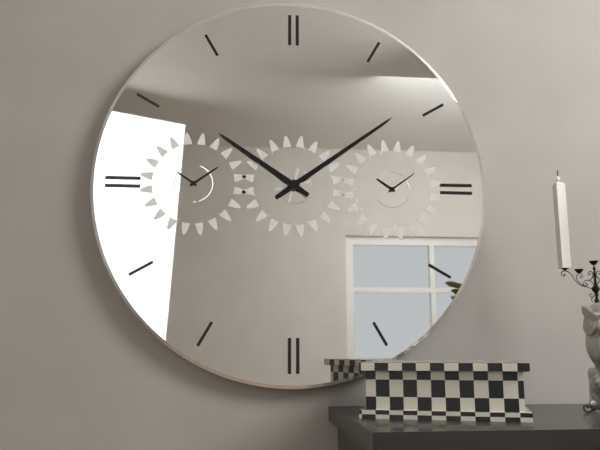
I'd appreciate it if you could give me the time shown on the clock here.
10:09
